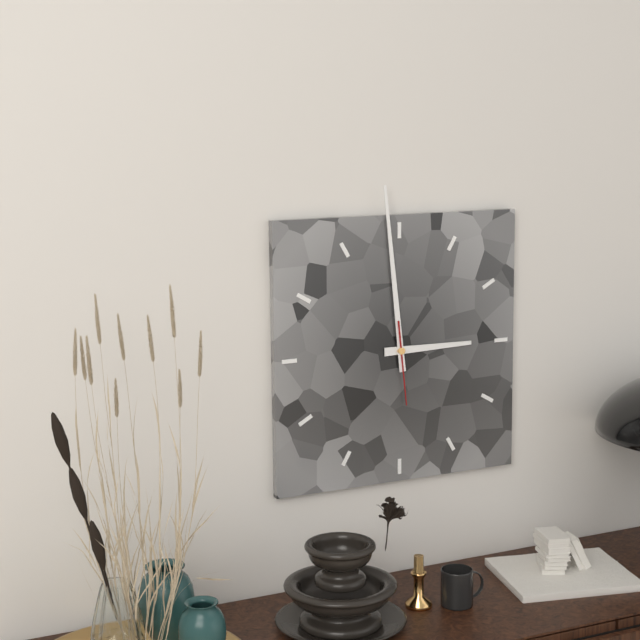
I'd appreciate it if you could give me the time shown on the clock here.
2:59:29
